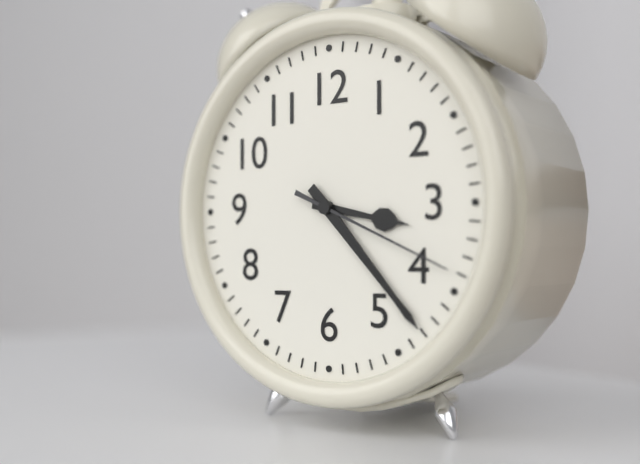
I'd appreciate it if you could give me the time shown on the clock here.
3:23:19
